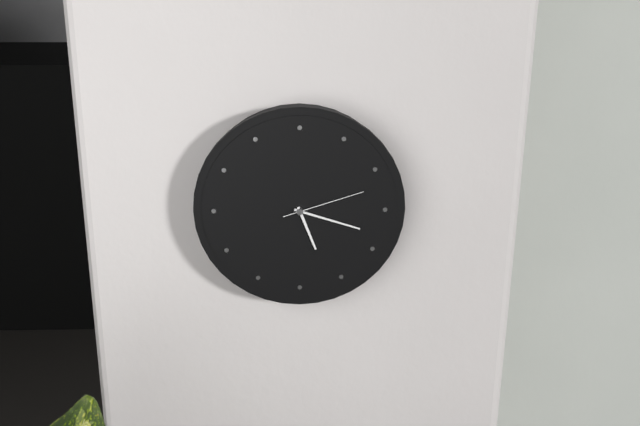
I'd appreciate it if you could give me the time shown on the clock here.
5:18:12
